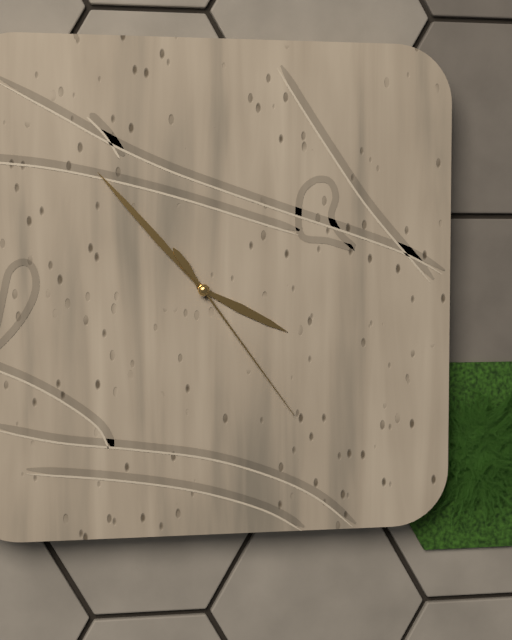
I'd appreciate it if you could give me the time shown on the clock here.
3:53:24
